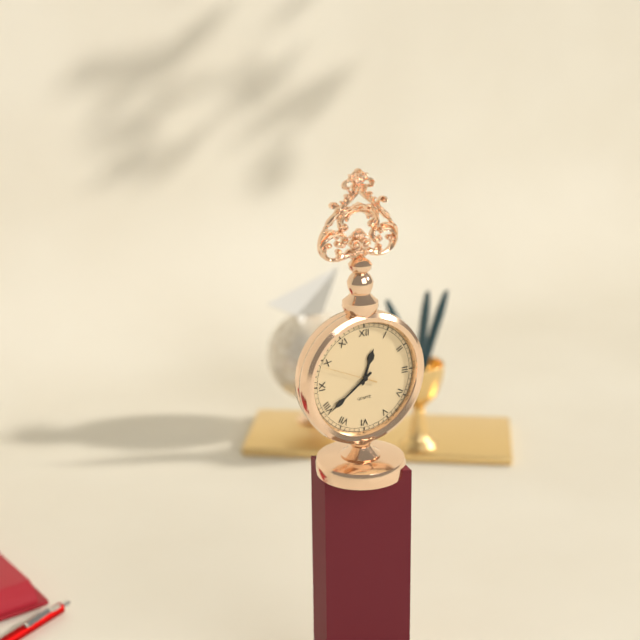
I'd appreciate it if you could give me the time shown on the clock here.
12:39:49
